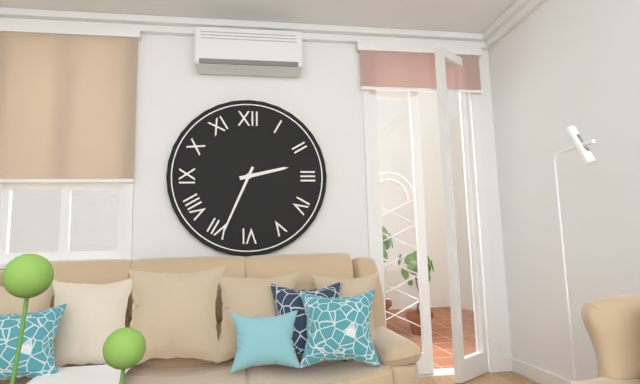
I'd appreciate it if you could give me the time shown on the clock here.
2:34
